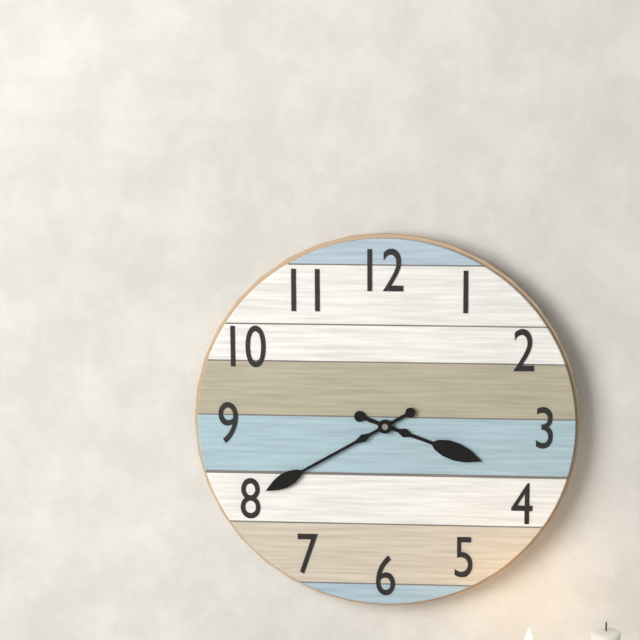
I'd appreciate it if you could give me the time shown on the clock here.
3:40
